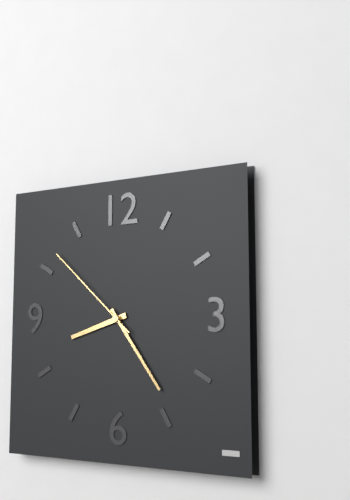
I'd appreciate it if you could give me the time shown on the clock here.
8:24:52
